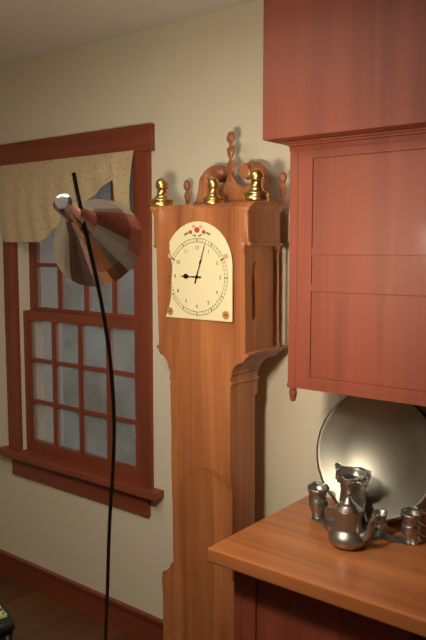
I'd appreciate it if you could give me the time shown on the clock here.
9:03
